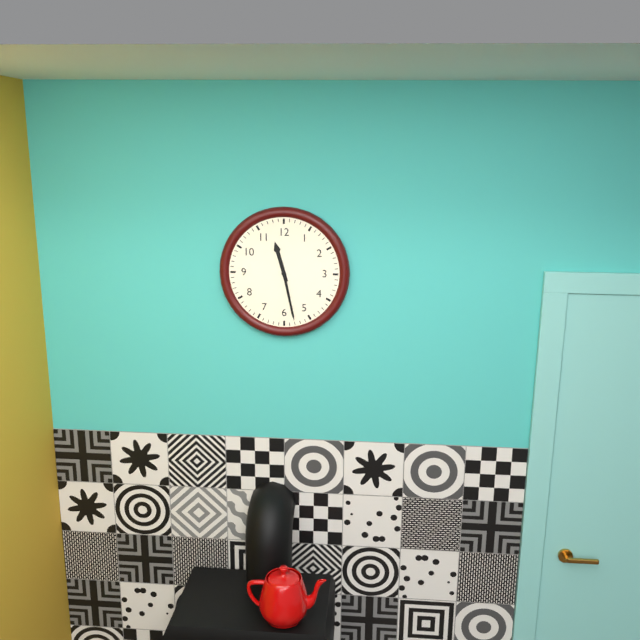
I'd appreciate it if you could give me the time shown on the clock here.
11:28
